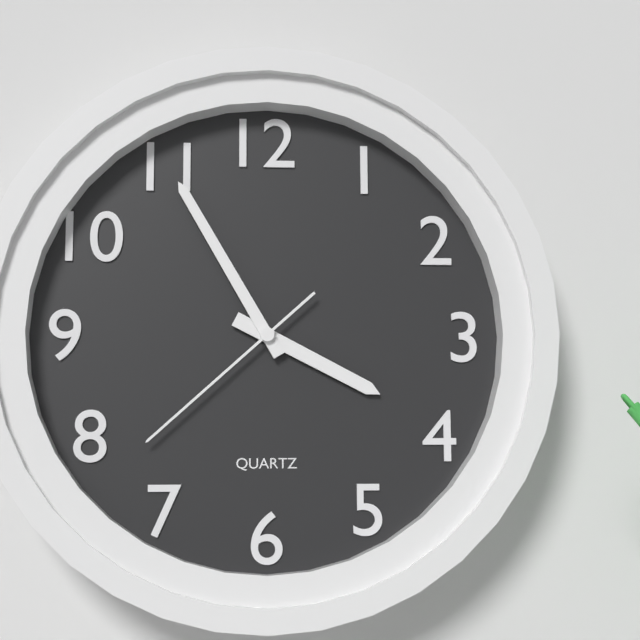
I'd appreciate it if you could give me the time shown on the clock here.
3:55:38
